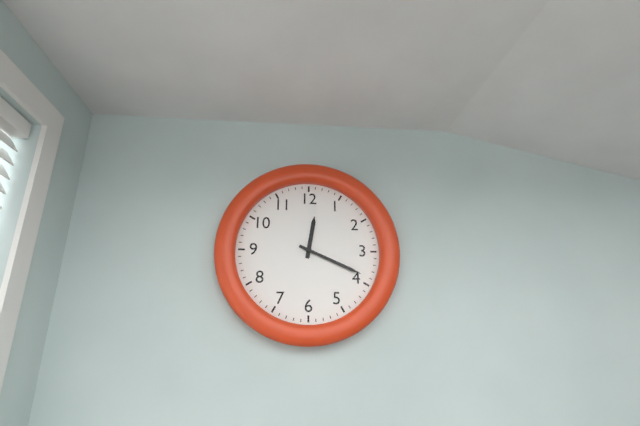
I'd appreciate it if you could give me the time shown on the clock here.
12:19
